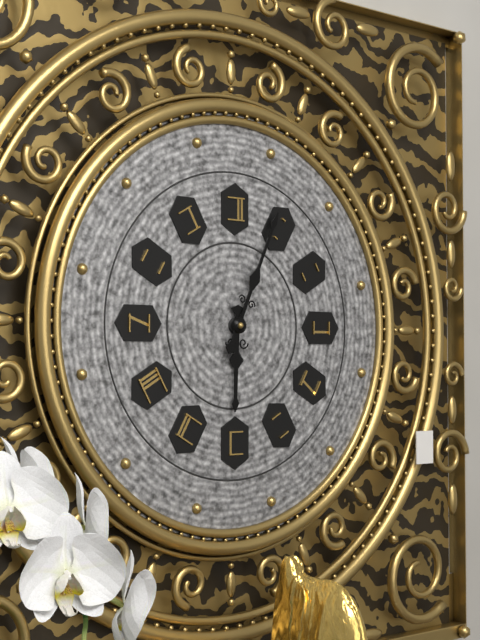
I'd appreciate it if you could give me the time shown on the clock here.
6:04
